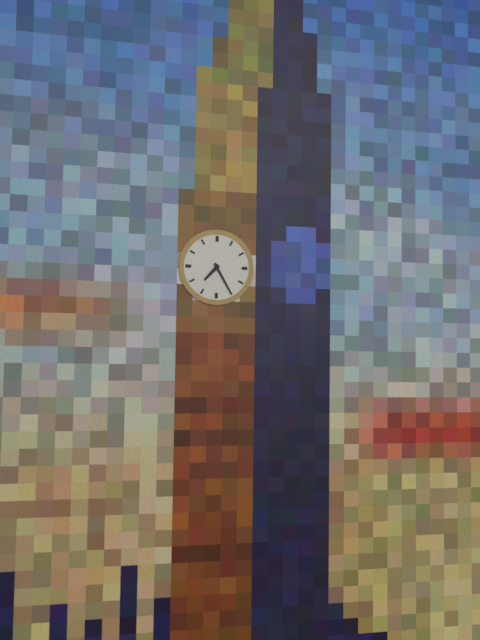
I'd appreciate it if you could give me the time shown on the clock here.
7:25
